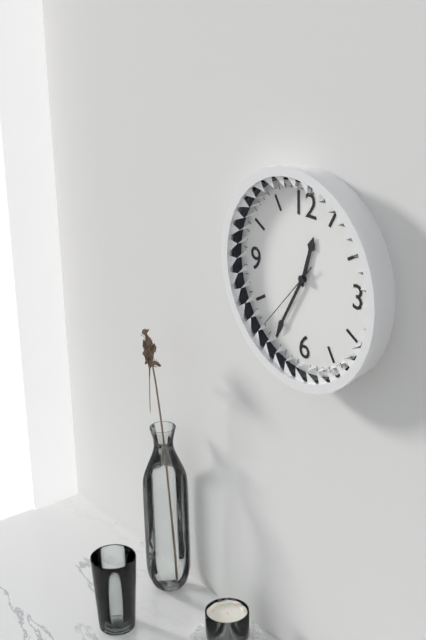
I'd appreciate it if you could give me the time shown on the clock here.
12:35:37
